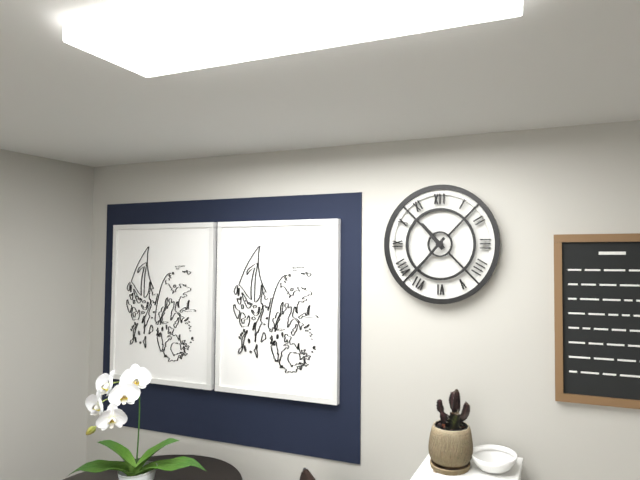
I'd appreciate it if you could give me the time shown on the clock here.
10:37
